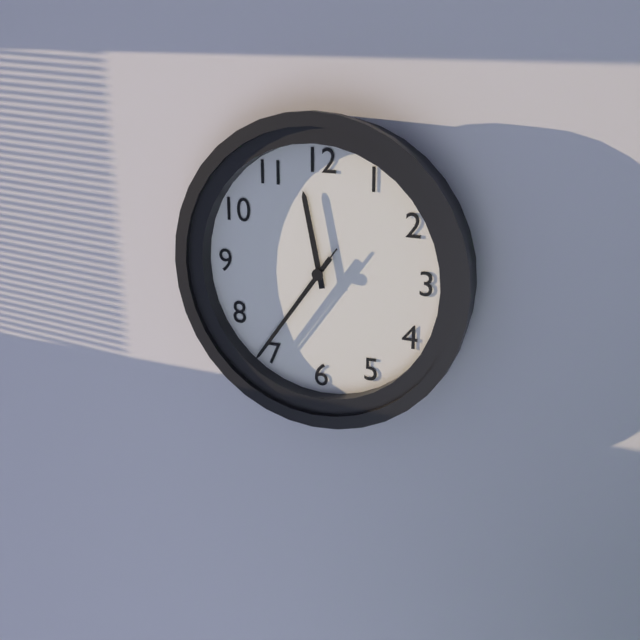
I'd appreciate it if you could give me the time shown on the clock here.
11:36:36
